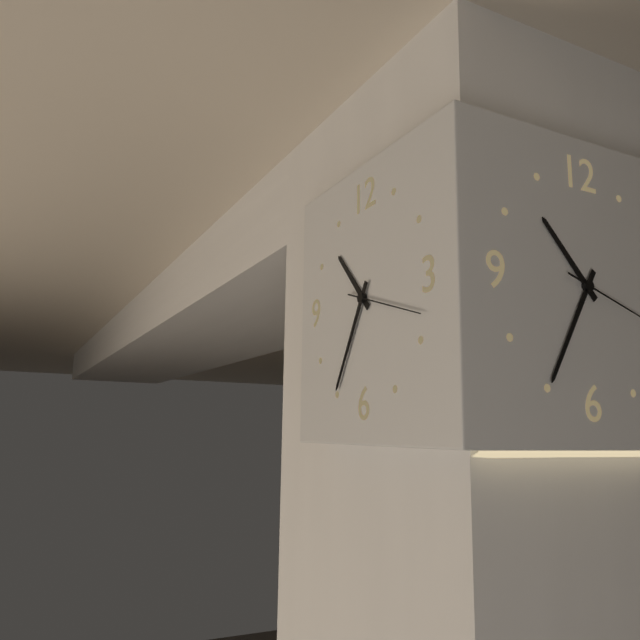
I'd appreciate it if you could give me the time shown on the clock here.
10:35:18
